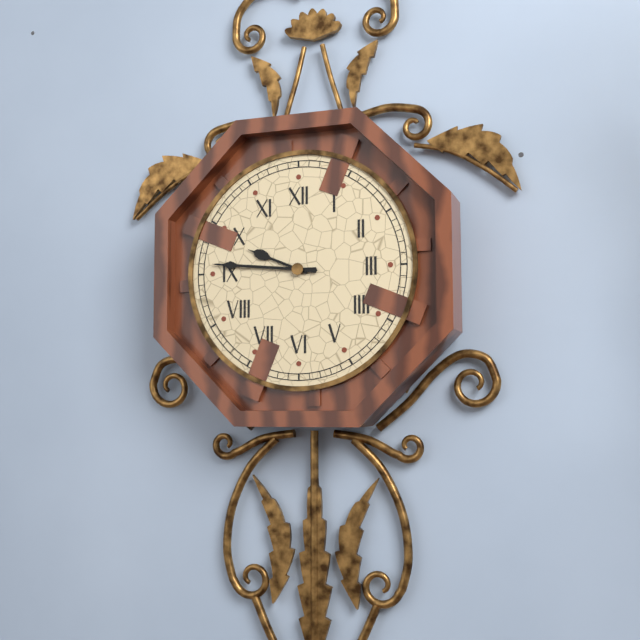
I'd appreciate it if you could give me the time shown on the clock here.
9:46
